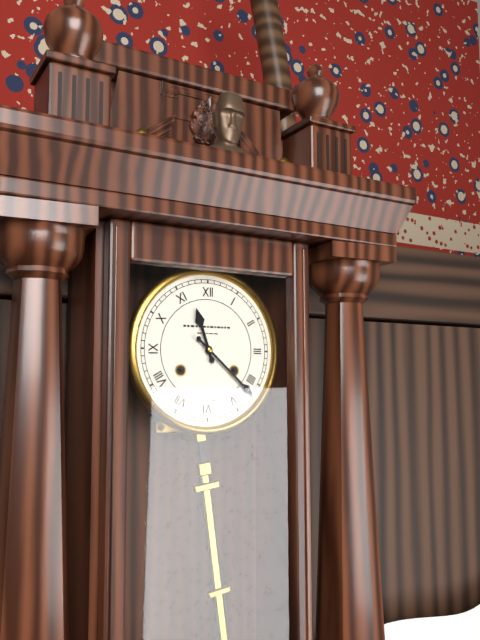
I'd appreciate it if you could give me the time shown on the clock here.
11:22
